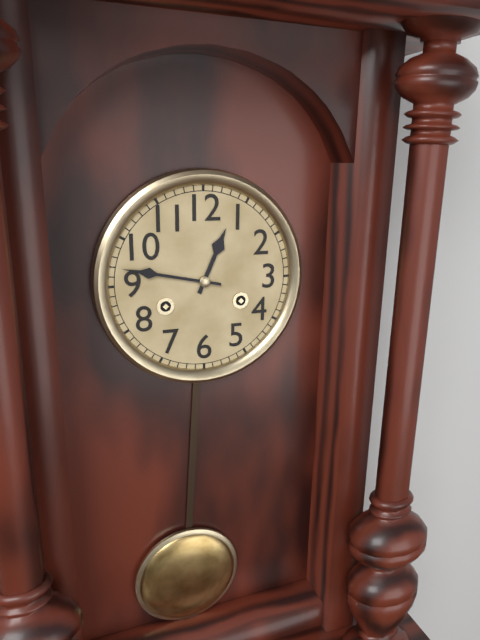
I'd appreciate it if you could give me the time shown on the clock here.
12:47
